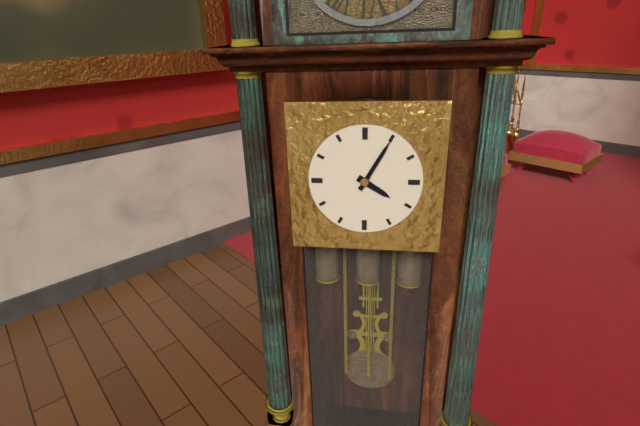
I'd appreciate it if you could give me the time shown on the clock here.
4:05
